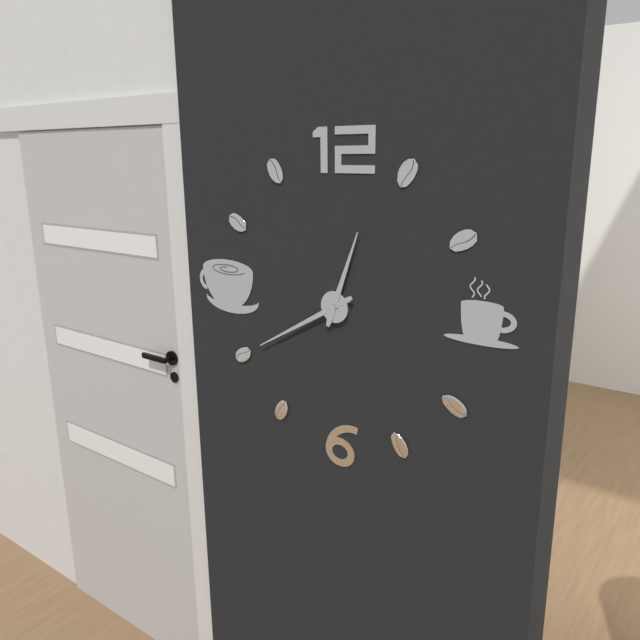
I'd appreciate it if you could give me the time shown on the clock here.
12:40
